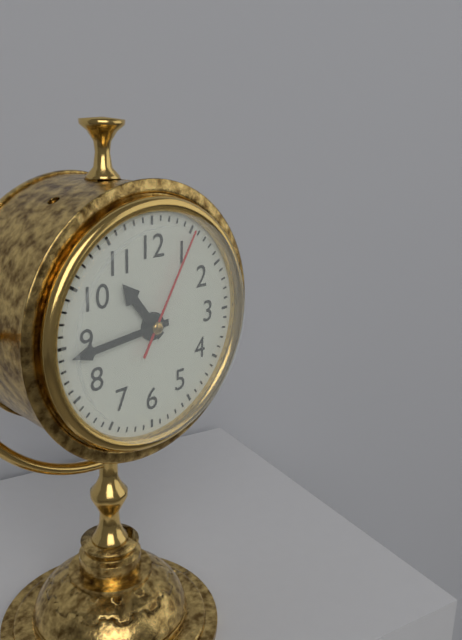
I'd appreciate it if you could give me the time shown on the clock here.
10:44:05
